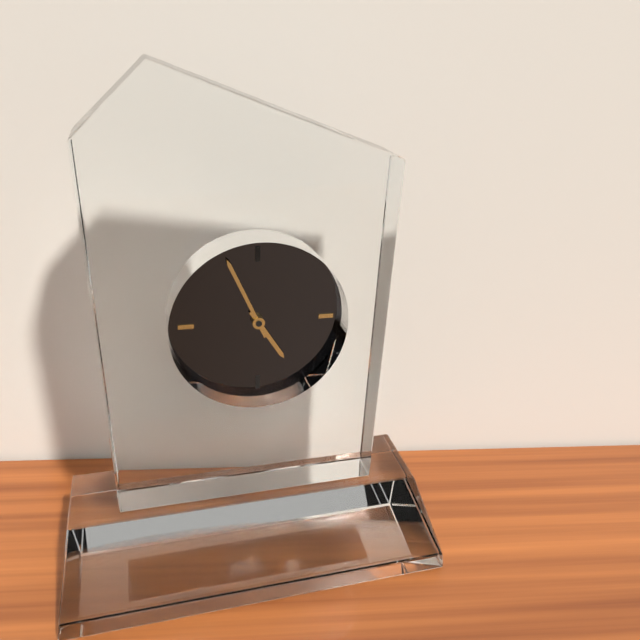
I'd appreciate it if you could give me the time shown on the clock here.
4:56
